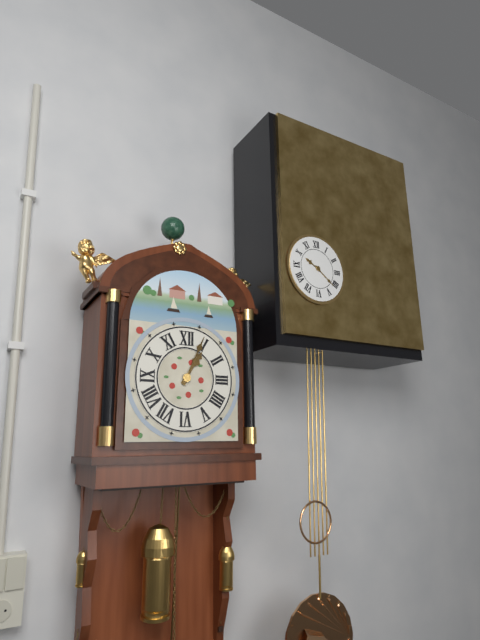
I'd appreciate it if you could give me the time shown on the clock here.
1:04
